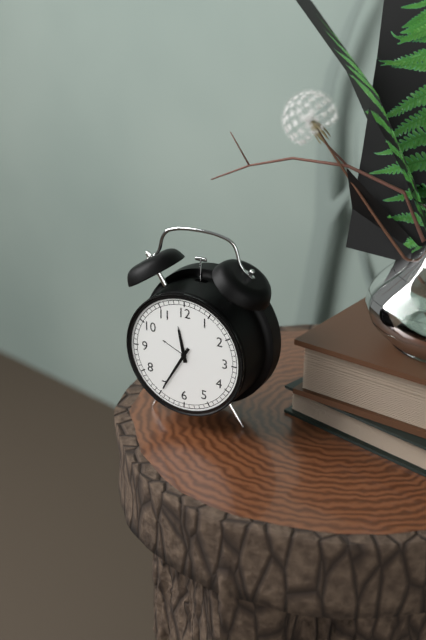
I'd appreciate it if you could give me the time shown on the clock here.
11:35
